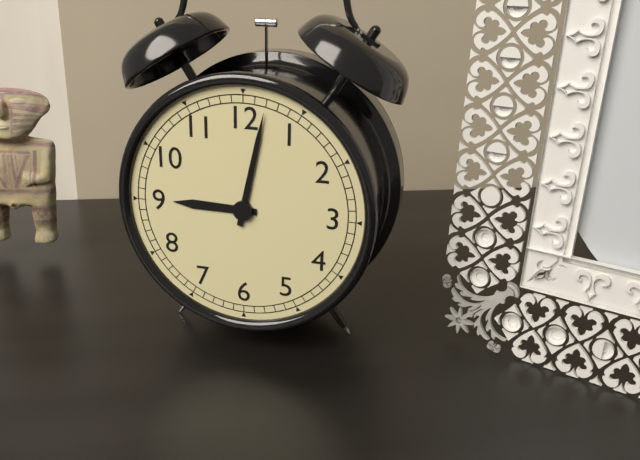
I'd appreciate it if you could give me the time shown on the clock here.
9:02
